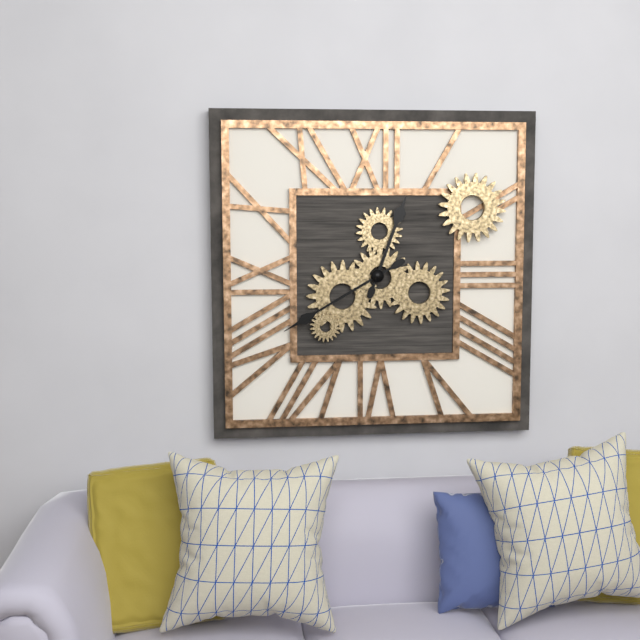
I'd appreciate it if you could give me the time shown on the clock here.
12:40
